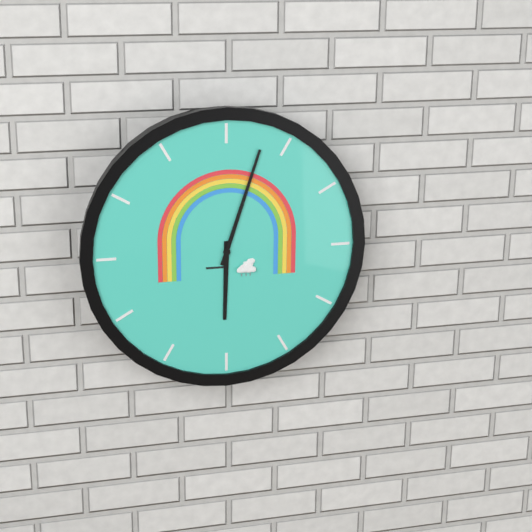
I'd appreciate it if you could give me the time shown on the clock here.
6:03
